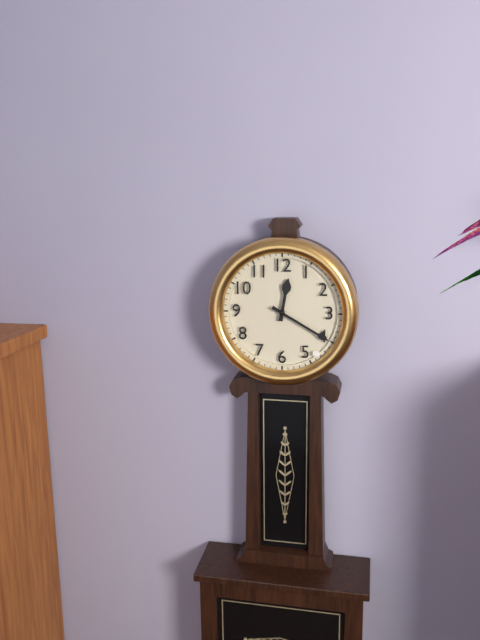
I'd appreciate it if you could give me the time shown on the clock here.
12:20
